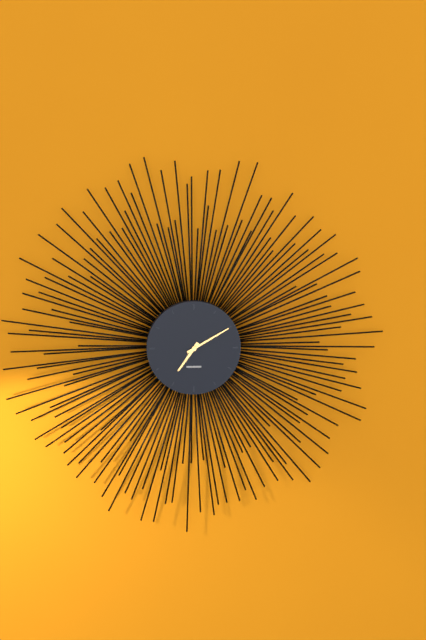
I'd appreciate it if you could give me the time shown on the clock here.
7:10
